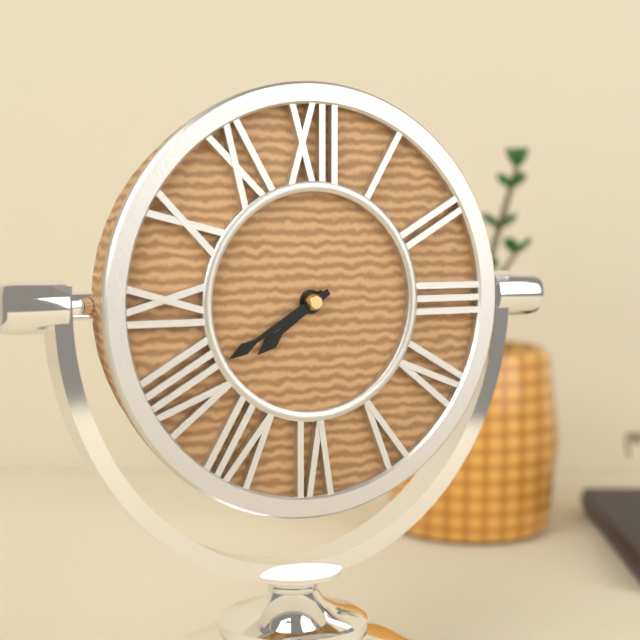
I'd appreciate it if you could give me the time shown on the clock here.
7:40
